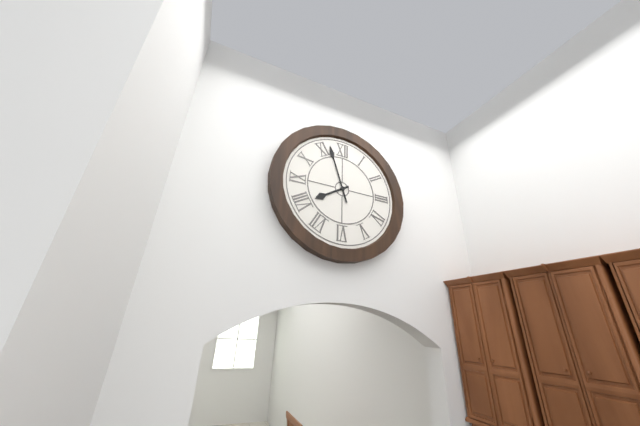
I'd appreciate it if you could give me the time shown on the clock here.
7:57
